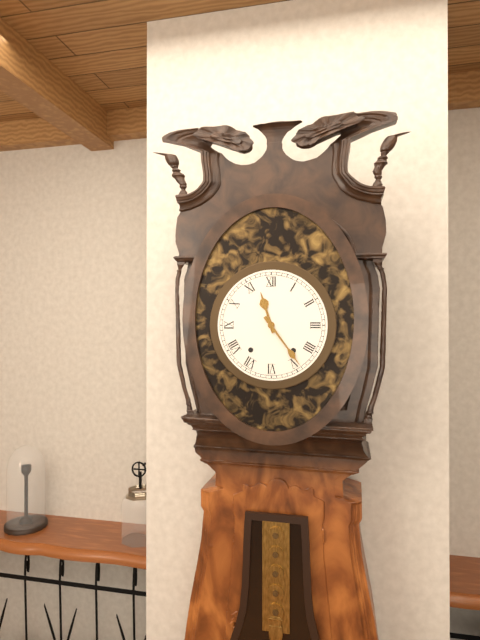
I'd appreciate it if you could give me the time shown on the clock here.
11:24
